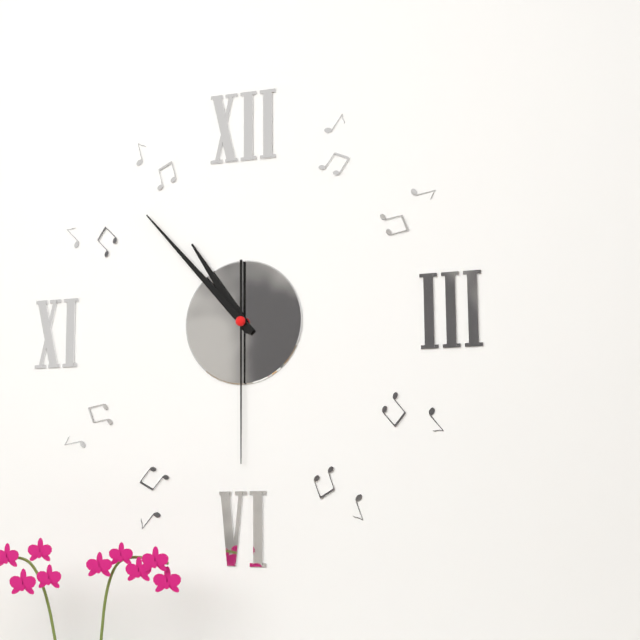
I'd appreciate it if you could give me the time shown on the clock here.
10:53:30
